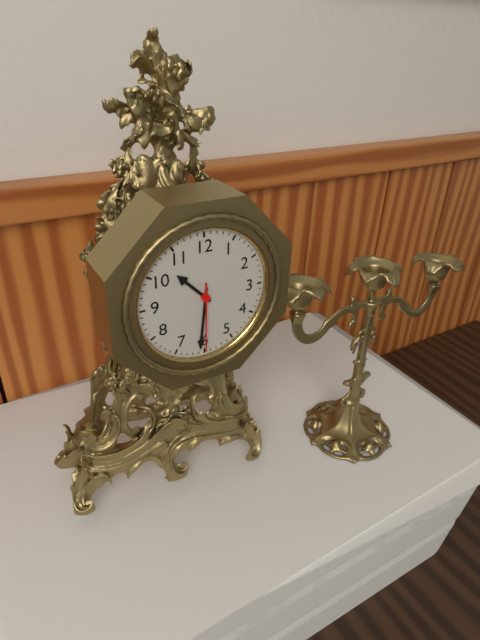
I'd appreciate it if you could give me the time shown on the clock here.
10:31:30
